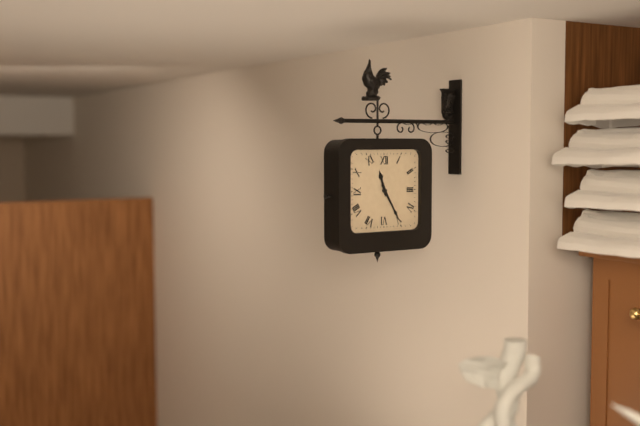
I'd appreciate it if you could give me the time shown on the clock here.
11:25
